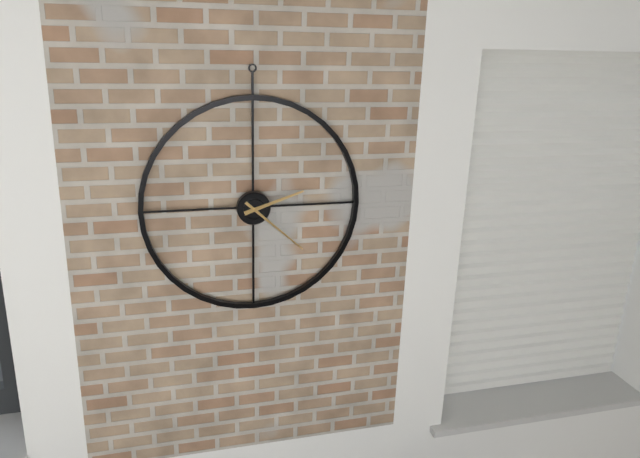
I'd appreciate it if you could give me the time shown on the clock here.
2:22
